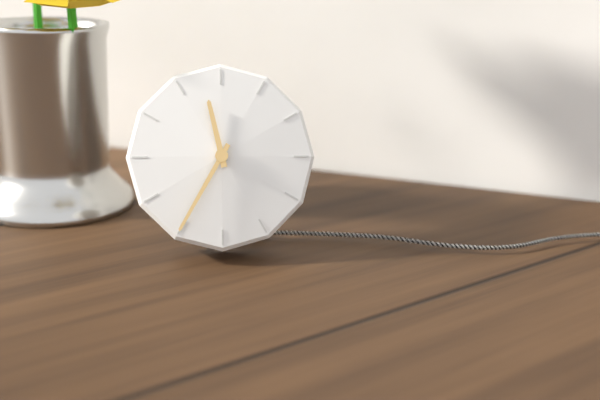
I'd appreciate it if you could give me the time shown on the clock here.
11:35
